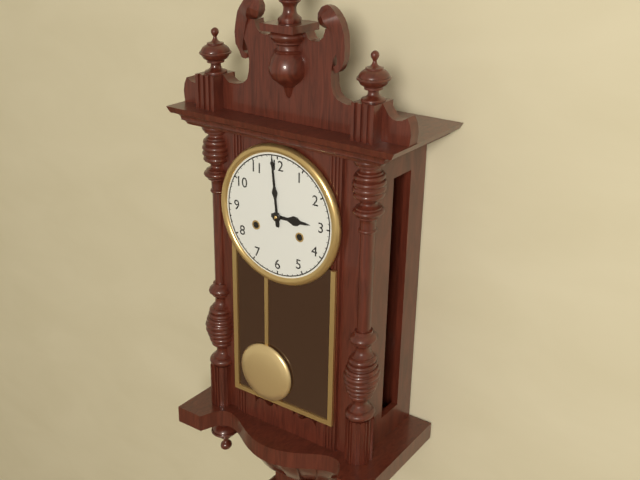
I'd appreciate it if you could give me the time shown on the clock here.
2:59
